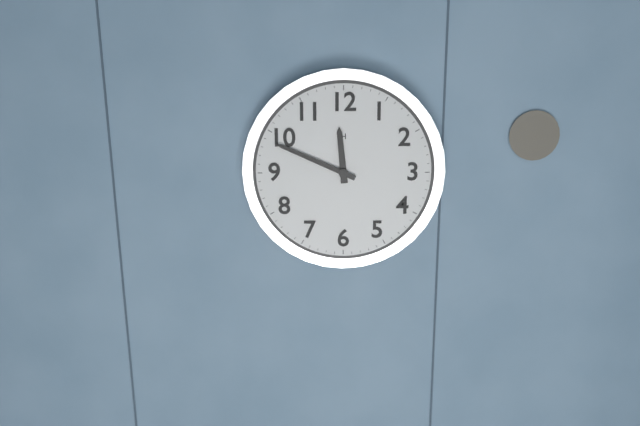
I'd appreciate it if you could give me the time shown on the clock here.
11:49
